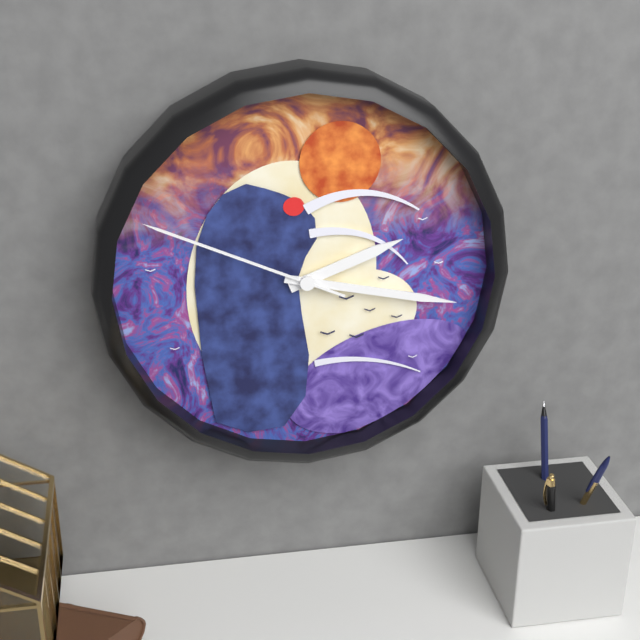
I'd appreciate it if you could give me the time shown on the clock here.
2:17:49
